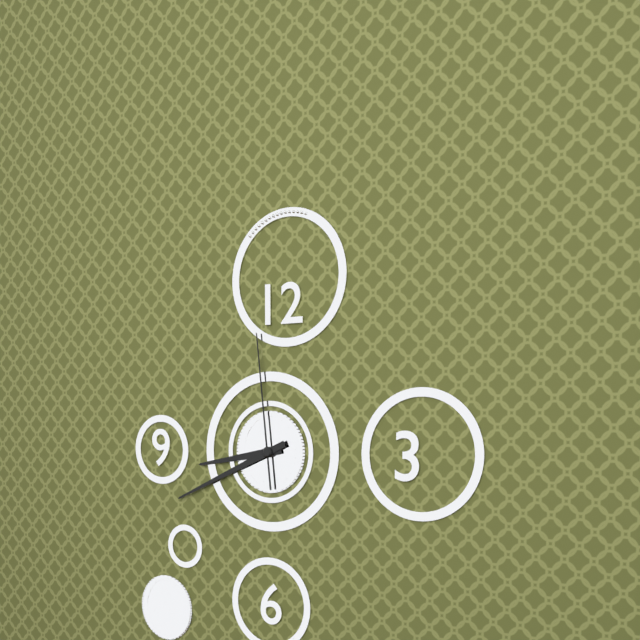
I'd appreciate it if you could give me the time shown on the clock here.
8:41:59
